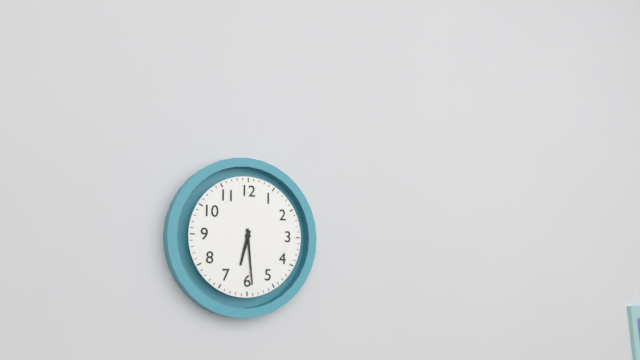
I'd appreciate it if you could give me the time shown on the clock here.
6:29
